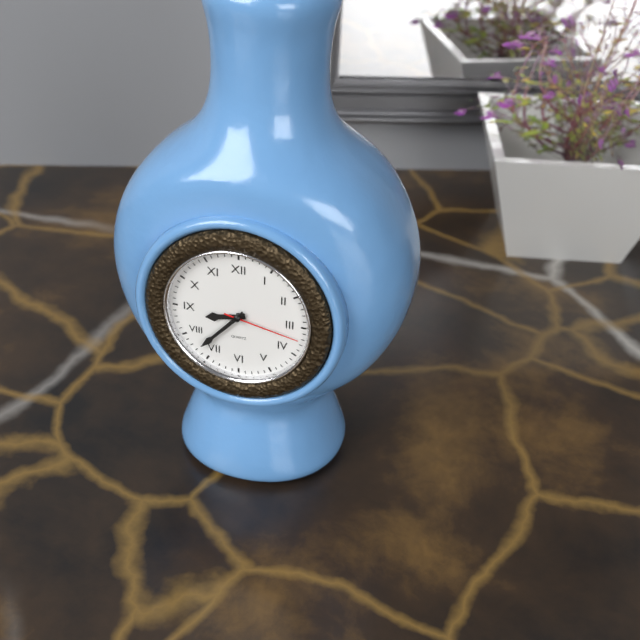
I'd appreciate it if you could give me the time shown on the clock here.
8:37:17
